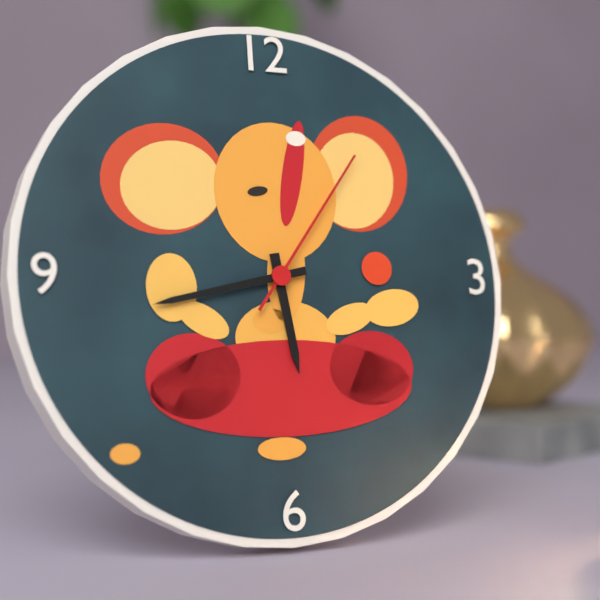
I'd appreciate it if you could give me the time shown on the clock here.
5:43:06
